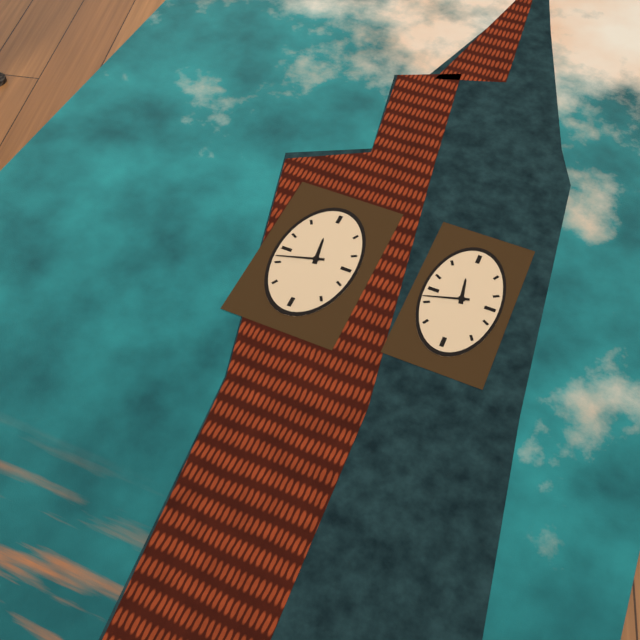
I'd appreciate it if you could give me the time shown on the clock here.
11:42
